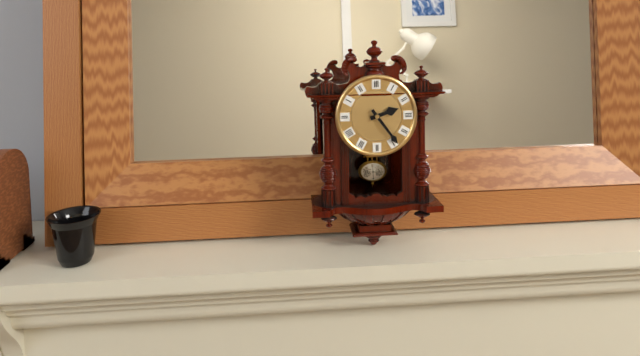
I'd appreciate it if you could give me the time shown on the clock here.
2:24
